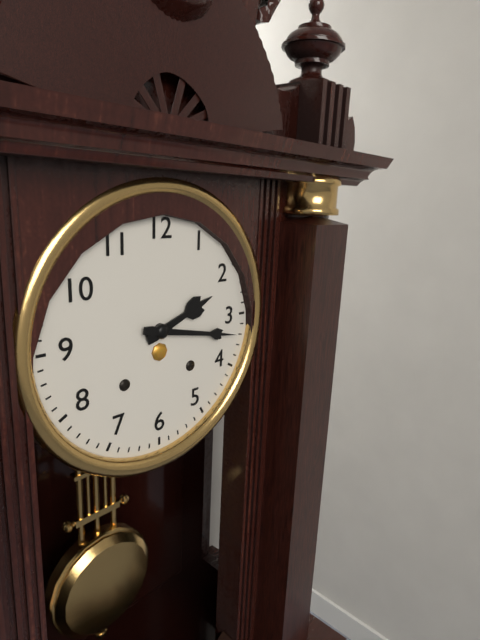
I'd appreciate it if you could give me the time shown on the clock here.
2:17
